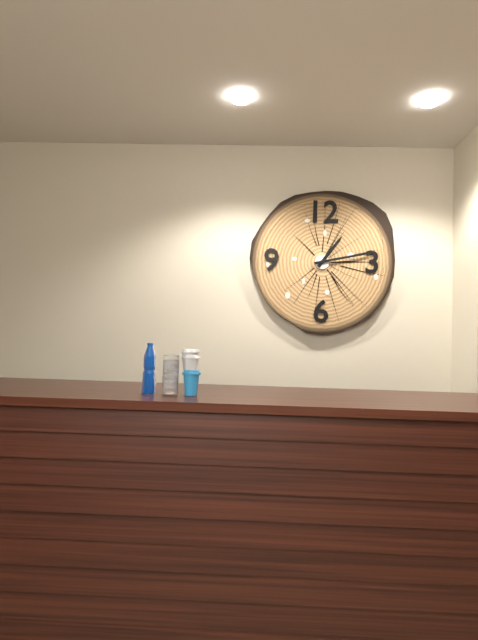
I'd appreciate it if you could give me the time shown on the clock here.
1:13
